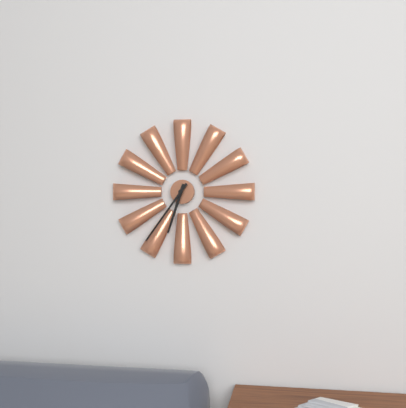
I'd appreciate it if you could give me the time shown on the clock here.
6:36
